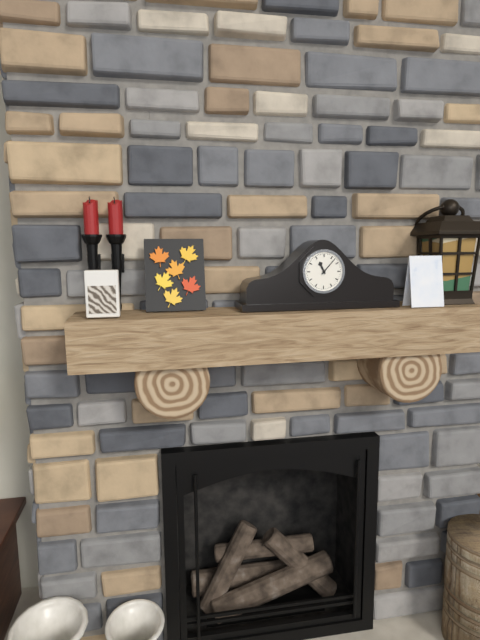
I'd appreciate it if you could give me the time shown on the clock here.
11:07
